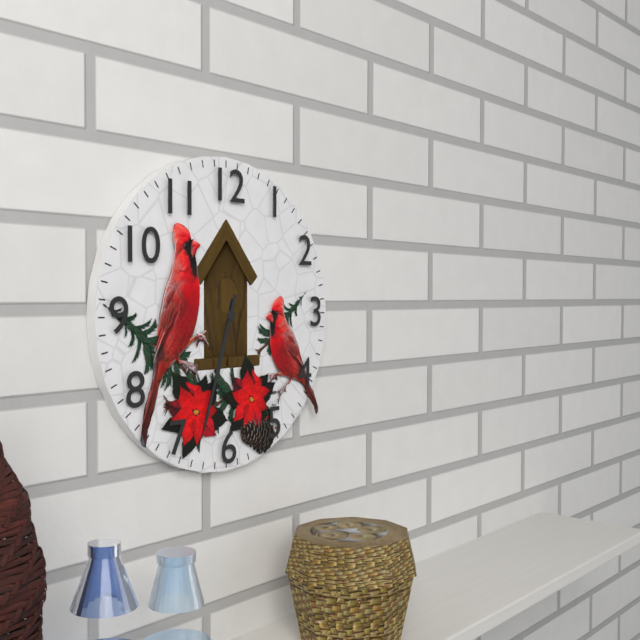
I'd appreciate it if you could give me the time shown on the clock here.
6:33
